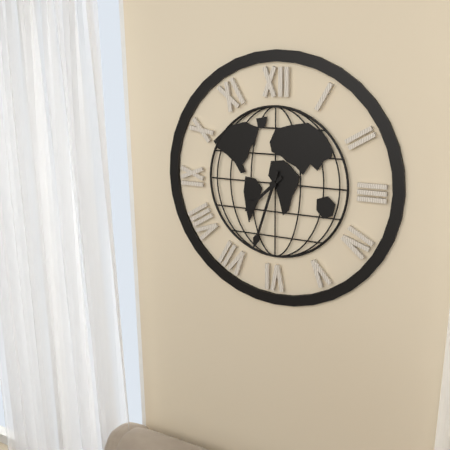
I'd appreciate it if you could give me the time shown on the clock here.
7:33
